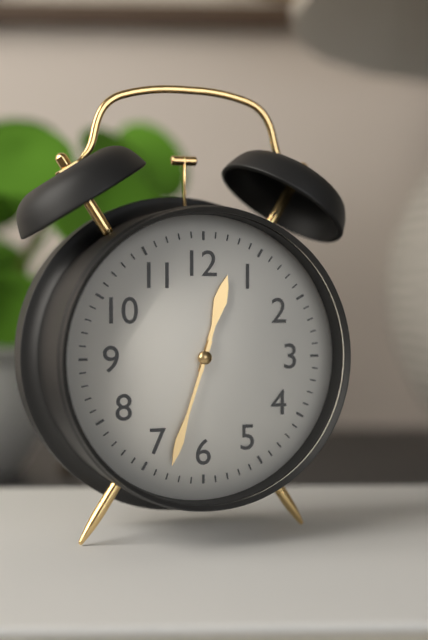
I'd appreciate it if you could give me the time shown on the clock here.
12:33
